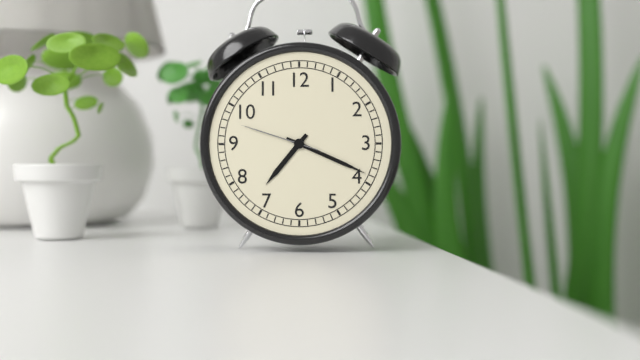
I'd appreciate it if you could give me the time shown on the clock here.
7:19:48
